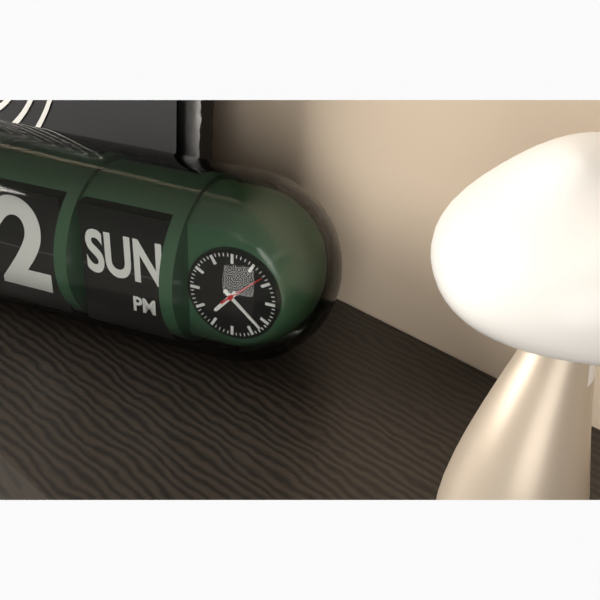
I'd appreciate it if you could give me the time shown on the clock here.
7:22
